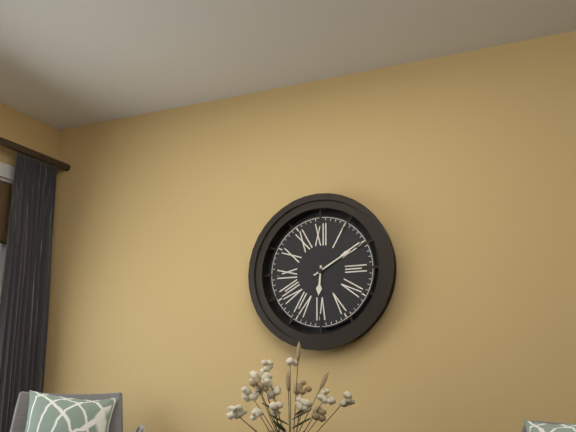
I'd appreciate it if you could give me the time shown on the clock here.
6:10
